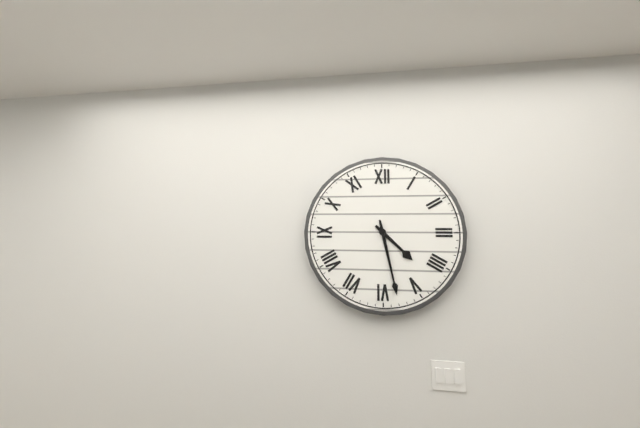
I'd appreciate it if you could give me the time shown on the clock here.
4:28
